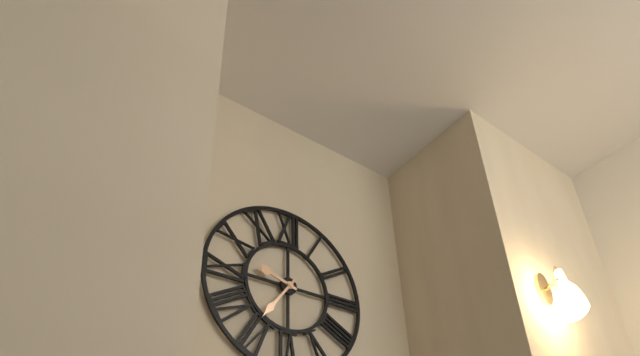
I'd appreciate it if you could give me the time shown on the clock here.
9:36
